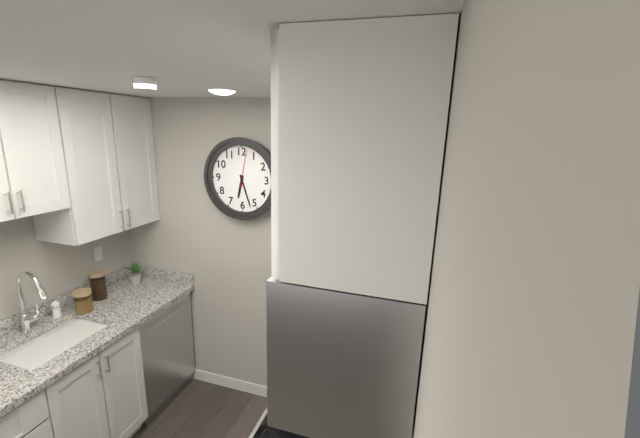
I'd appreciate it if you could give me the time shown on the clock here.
6:27
